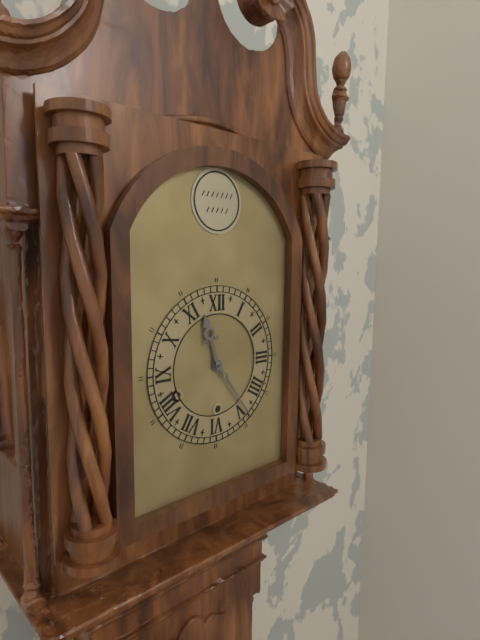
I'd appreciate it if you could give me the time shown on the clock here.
11:24
